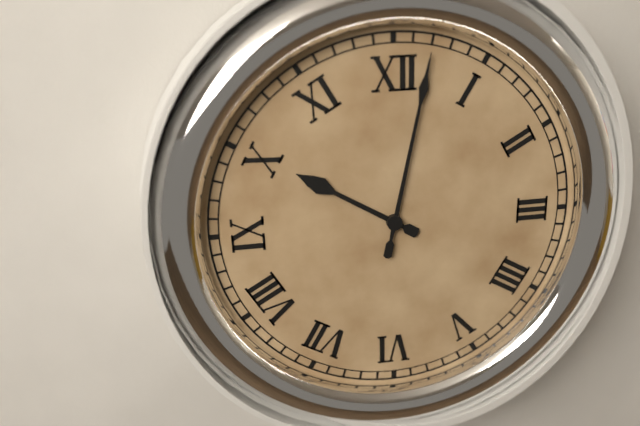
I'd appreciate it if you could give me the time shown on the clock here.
10:02
